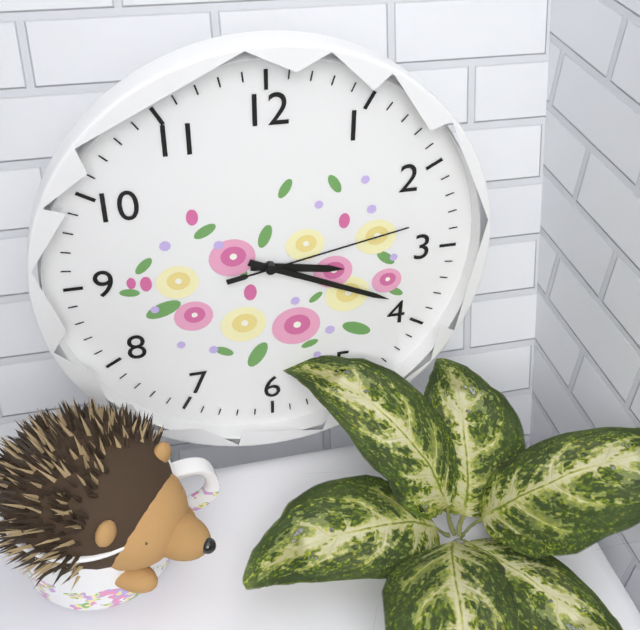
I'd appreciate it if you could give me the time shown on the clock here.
3:19:13
